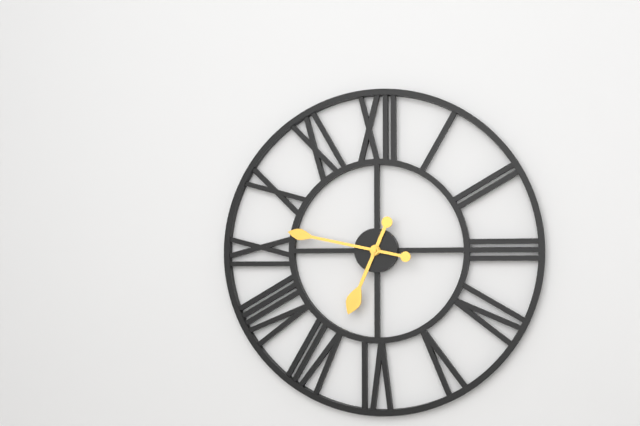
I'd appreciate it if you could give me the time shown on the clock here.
6:47
